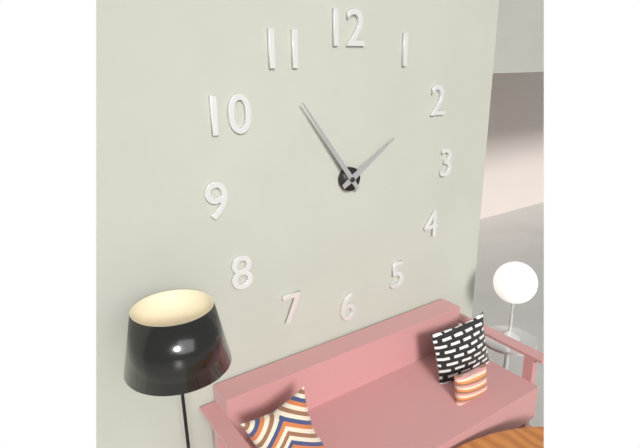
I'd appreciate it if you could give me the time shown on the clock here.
1:54
